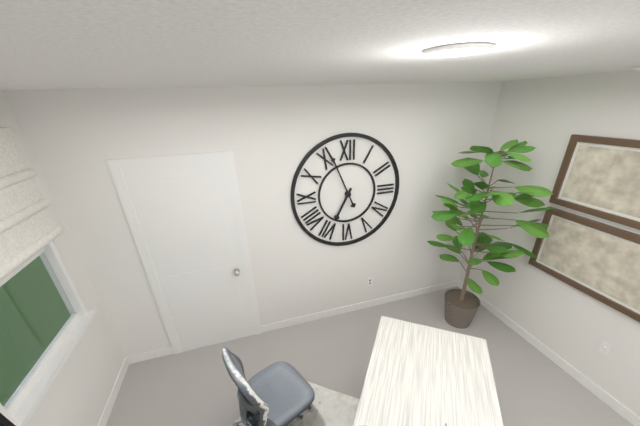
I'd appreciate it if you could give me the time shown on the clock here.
6:56
